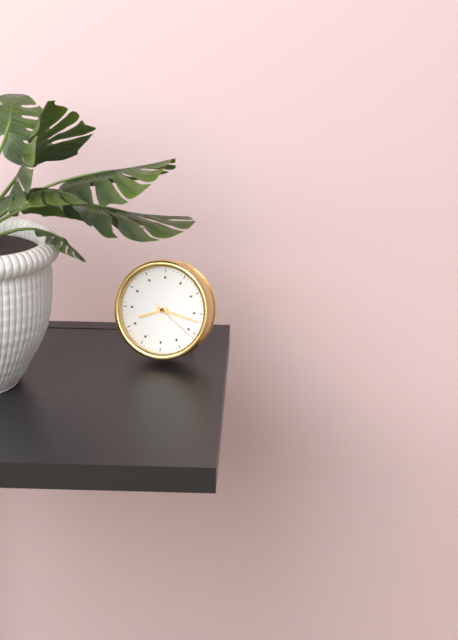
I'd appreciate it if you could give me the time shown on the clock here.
8:17:21
